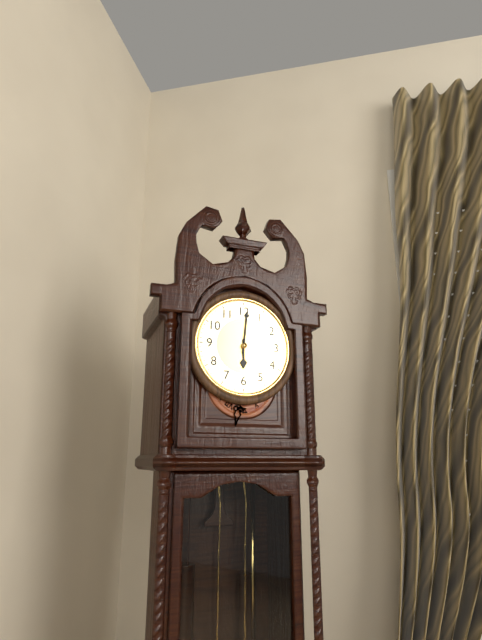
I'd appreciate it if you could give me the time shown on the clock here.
6:01
